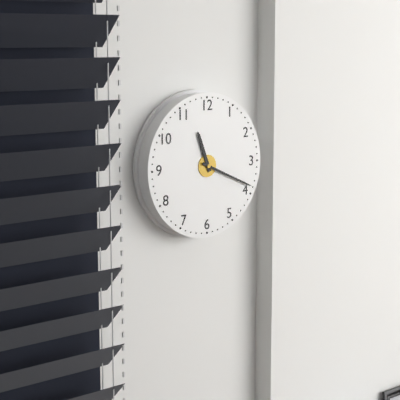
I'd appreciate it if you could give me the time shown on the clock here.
11:19
